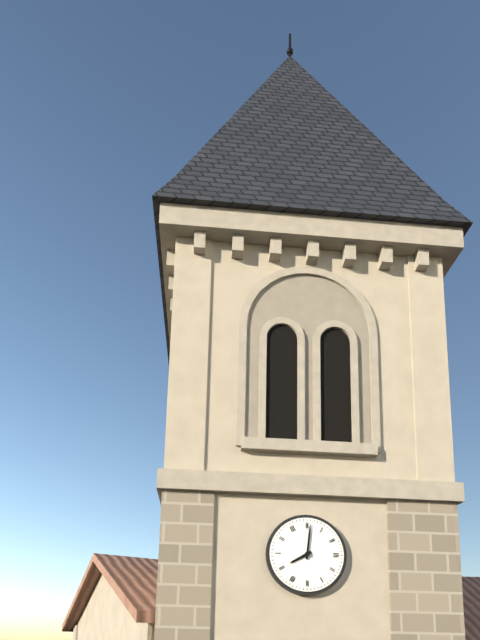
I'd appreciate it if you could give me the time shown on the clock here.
8:01
